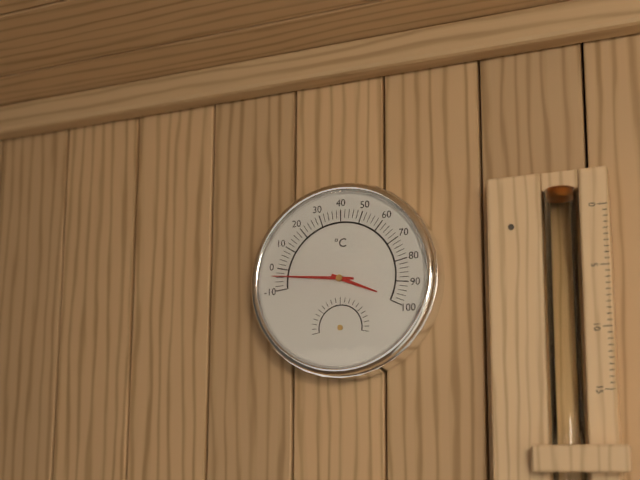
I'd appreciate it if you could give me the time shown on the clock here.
3:46
